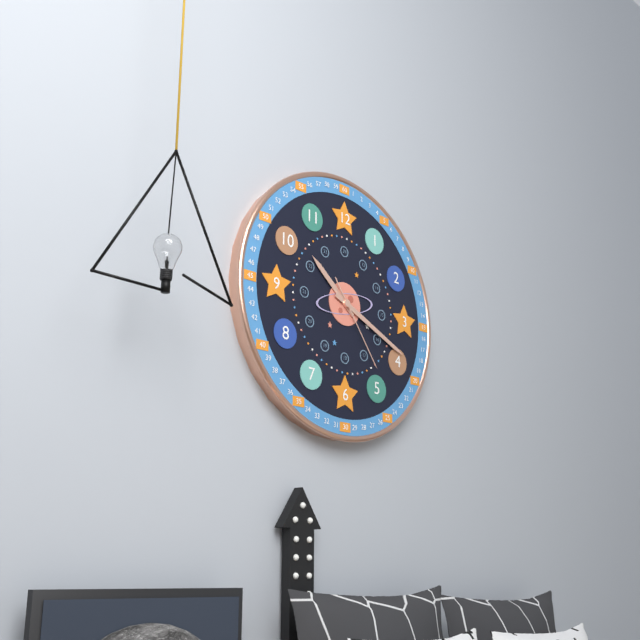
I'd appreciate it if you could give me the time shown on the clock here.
10:19:24
